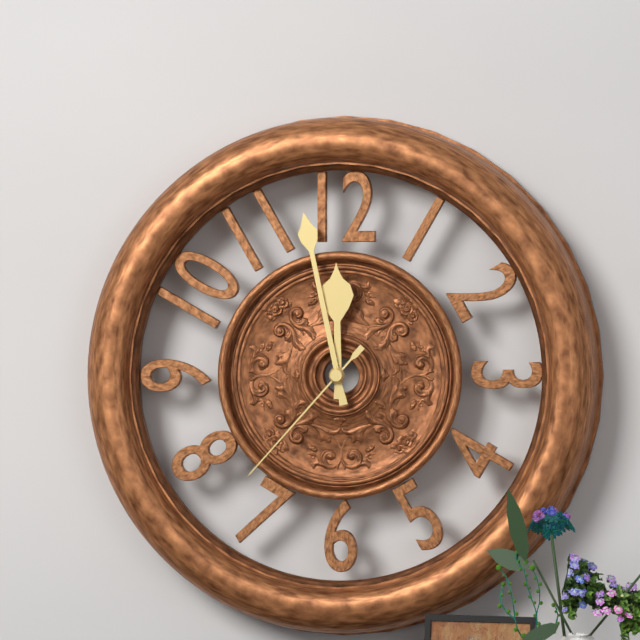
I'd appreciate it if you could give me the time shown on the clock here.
11:58:37
